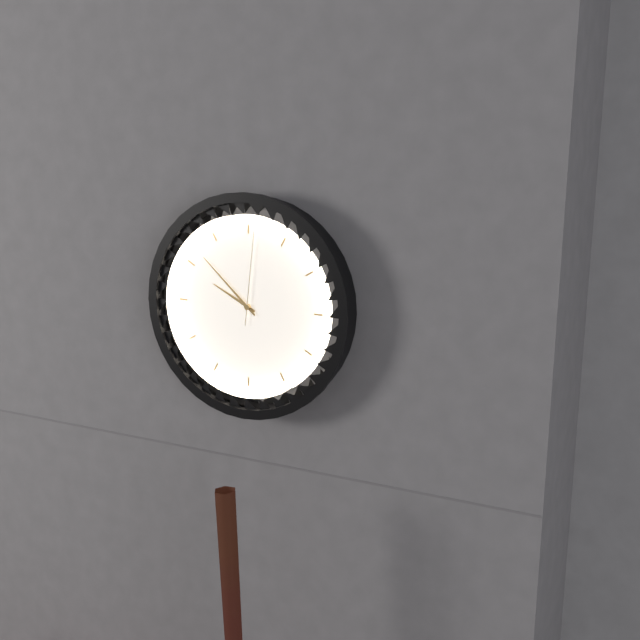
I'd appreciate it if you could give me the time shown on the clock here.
9:52:01
